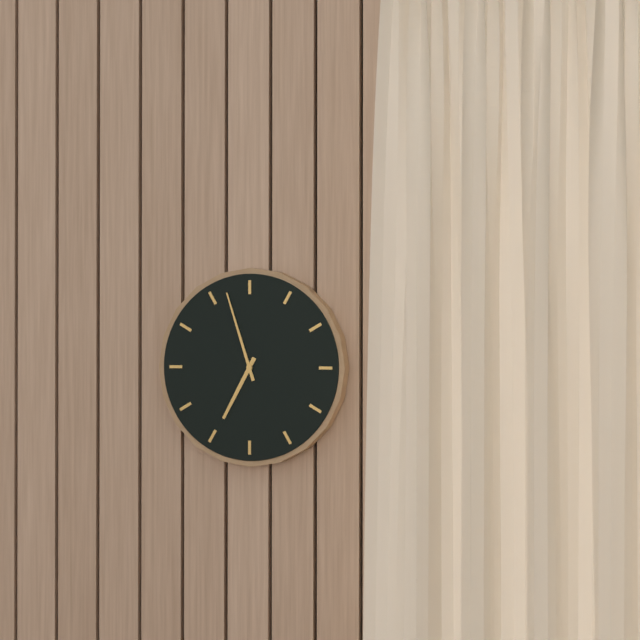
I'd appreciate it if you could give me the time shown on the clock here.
6:57
